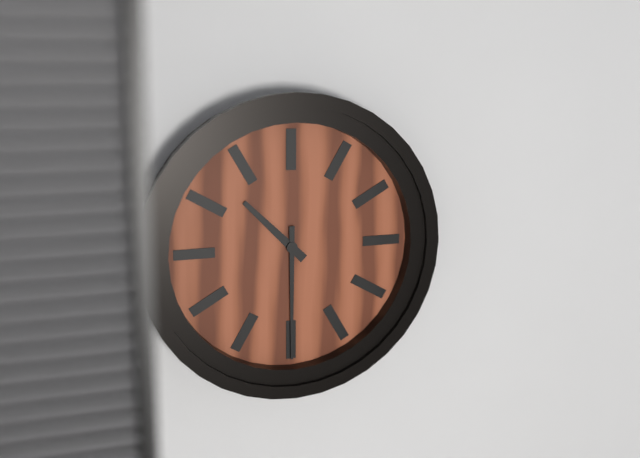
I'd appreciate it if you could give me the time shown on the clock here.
10:30
